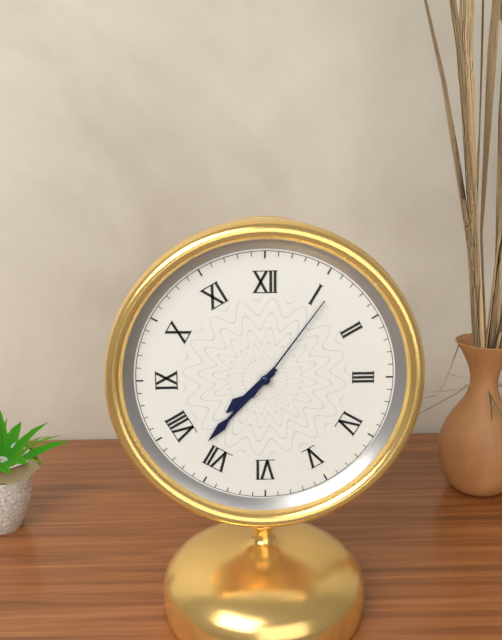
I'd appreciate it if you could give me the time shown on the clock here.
7:37:06
